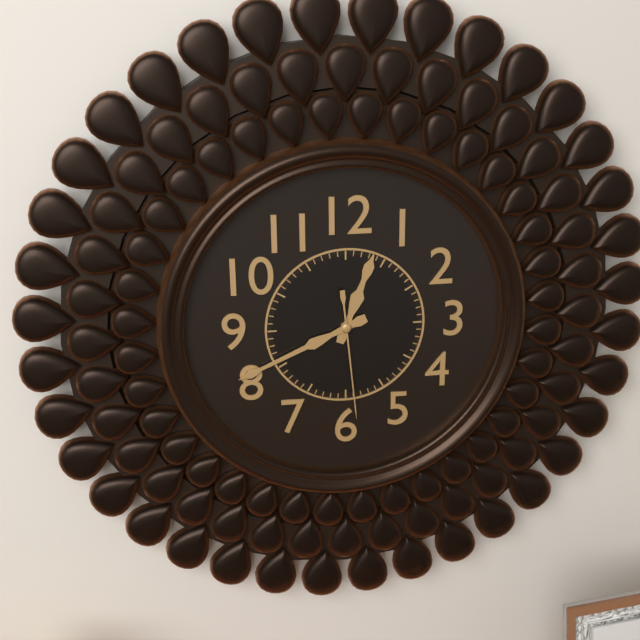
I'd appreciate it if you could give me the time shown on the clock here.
12:41:29
